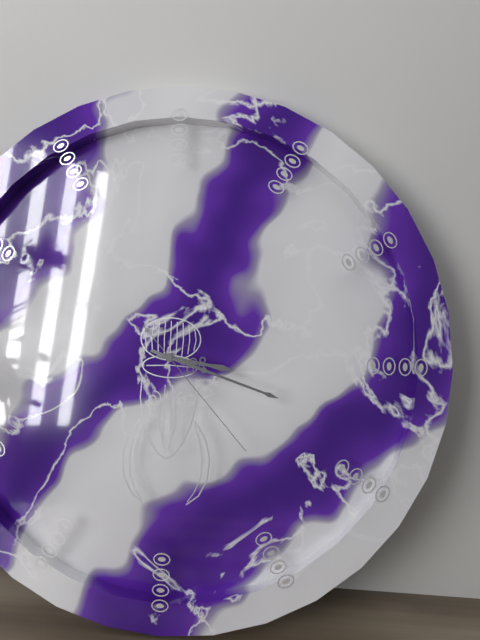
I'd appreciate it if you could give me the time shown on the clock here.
3:18:23
